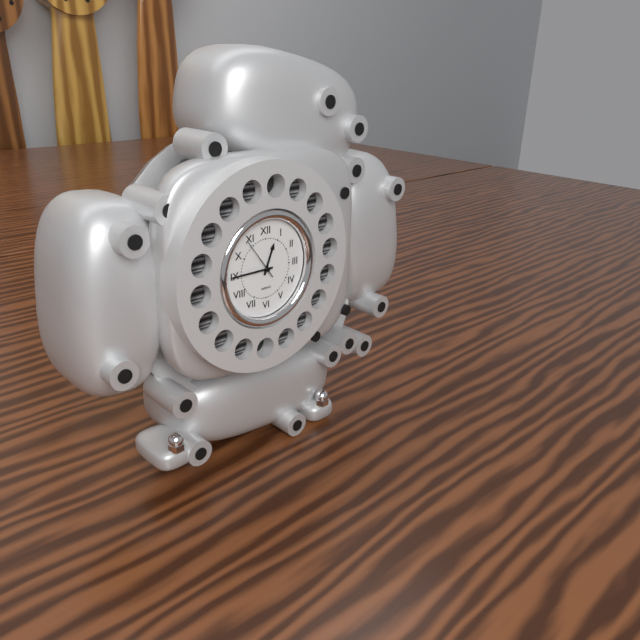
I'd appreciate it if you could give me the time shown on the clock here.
12:45
